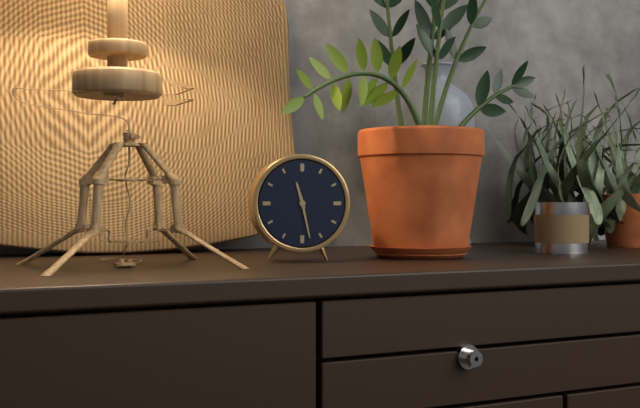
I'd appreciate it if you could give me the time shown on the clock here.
11:28
